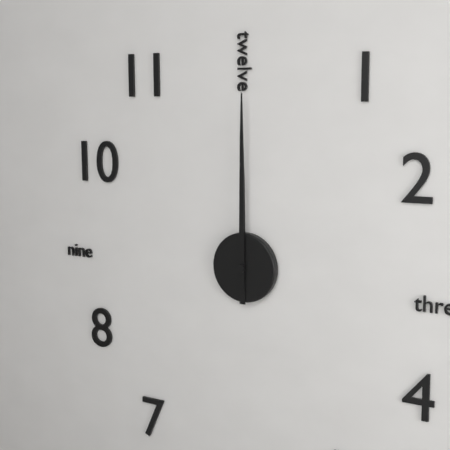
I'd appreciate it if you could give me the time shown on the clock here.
12:00
